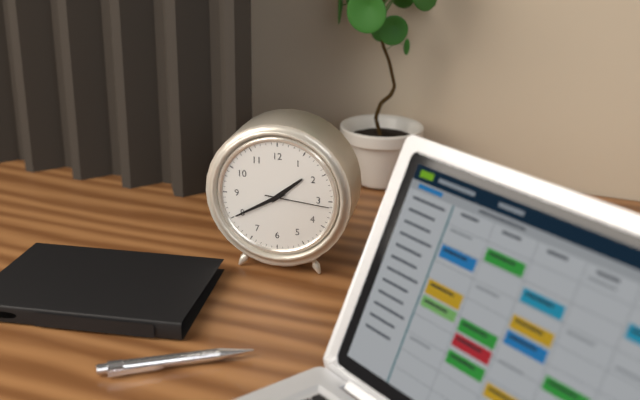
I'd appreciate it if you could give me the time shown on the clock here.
1:40:16
